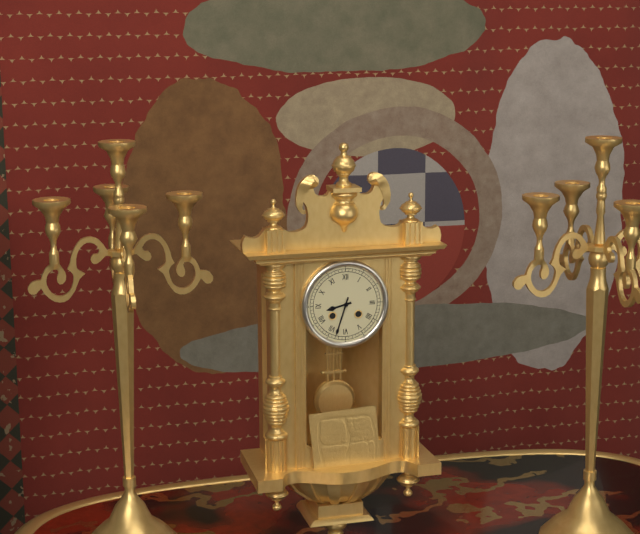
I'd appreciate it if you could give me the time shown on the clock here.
8:33
